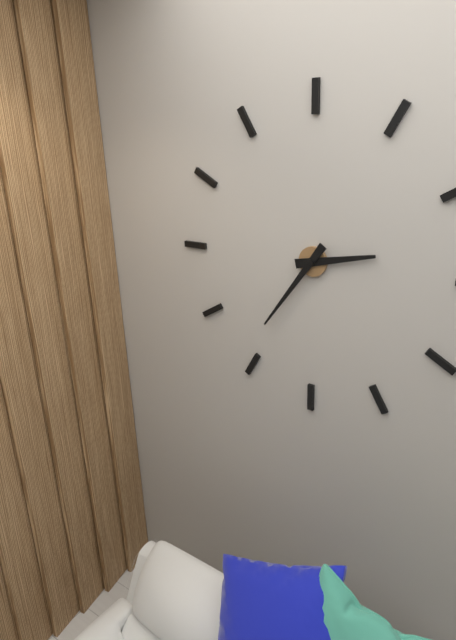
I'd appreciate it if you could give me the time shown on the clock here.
2:36
